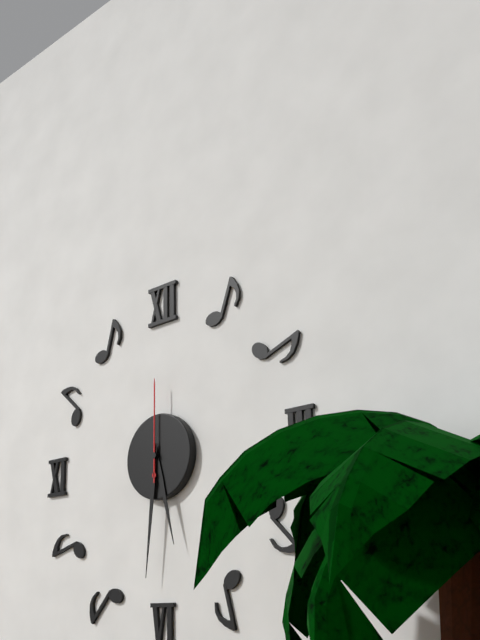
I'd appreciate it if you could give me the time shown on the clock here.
5:31:00
